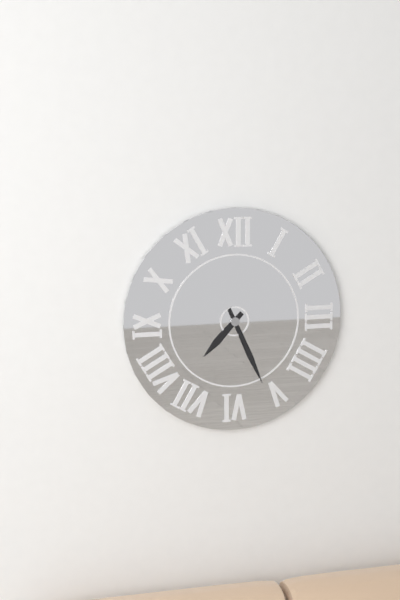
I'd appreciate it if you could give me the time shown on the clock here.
7:26
